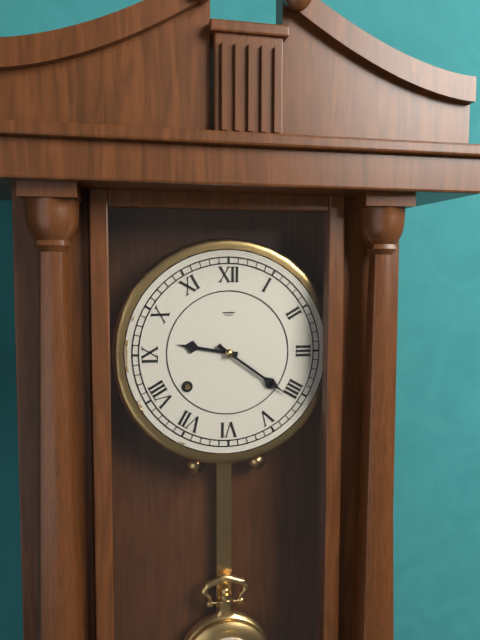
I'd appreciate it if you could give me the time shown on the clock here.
9:21
